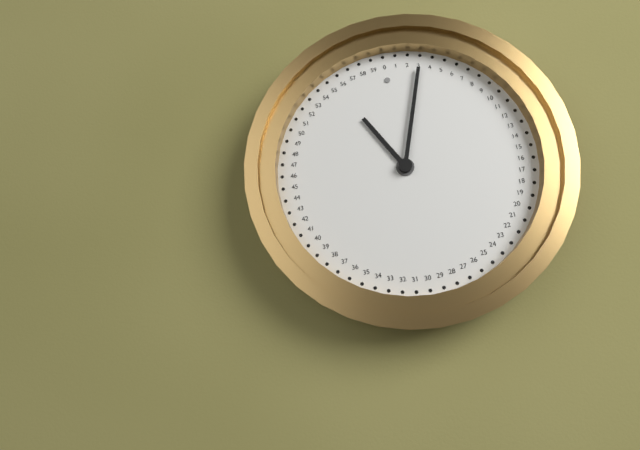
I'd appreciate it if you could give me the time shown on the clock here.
11:03
